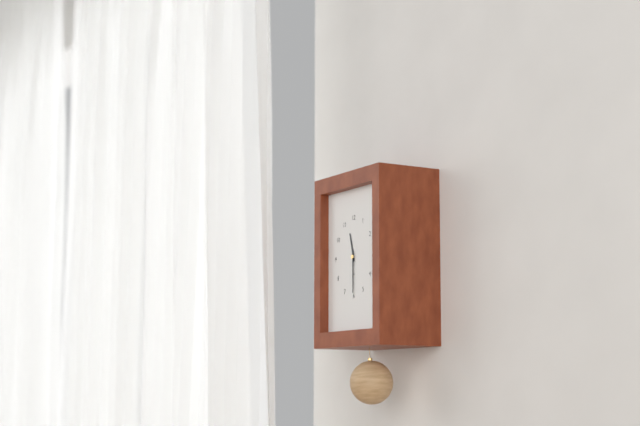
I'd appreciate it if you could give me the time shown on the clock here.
11:30
